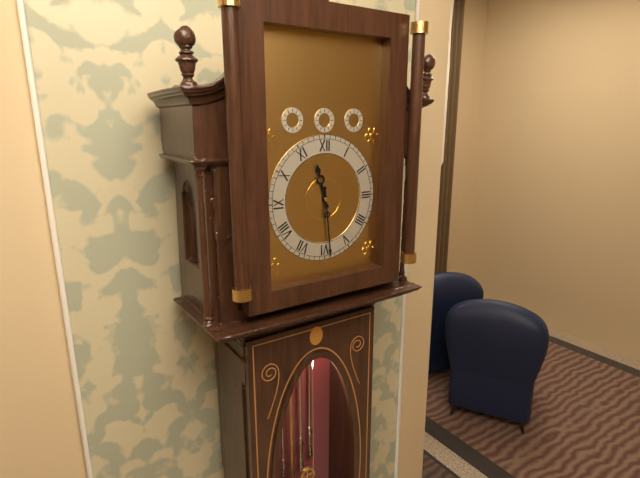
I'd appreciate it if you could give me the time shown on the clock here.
11:29
